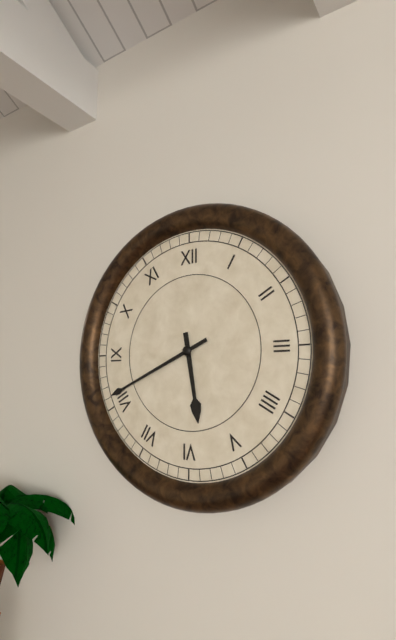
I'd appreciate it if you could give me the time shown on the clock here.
5:41
